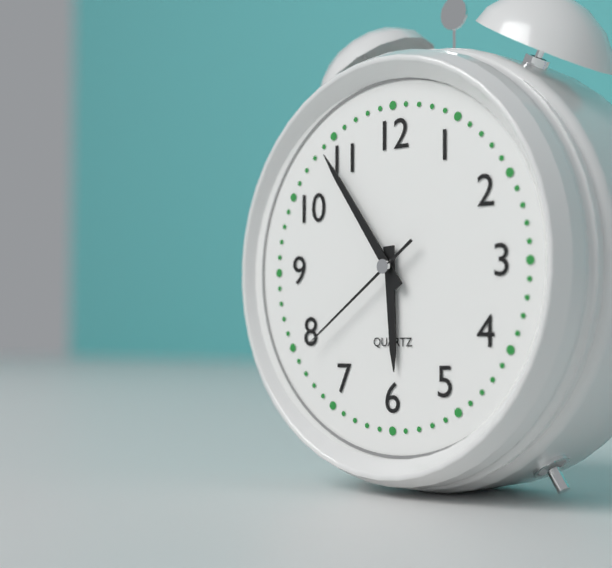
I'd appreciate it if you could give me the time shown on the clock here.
5:54:39
